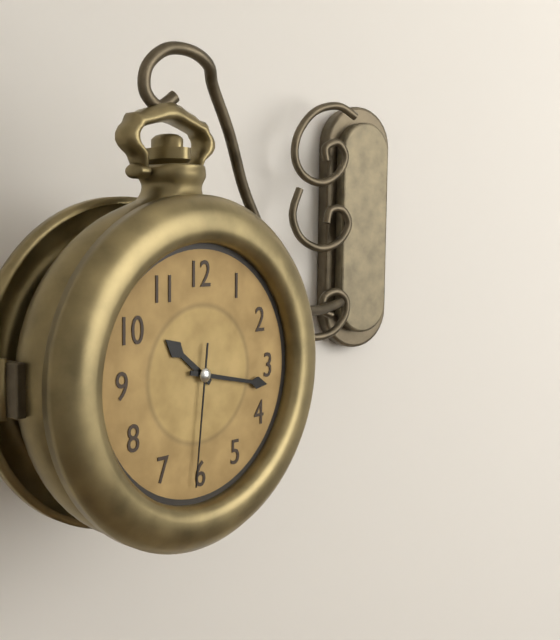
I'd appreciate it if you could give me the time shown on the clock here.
10:17:31
